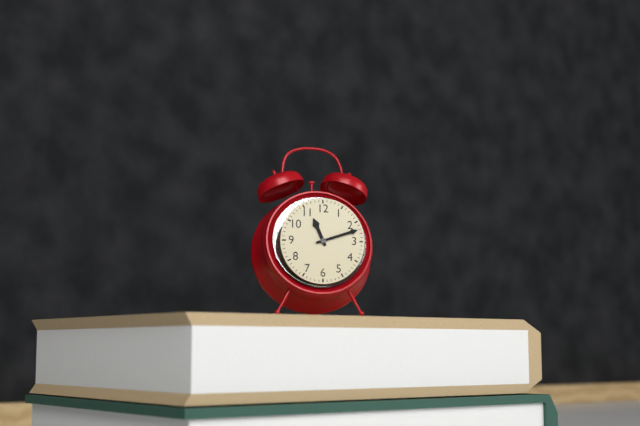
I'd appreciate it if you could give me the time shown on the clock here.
11:12
